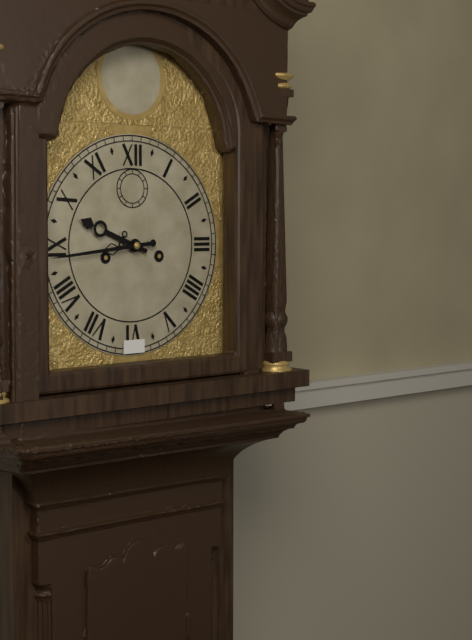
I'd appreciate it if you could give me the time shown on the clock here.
9:44
